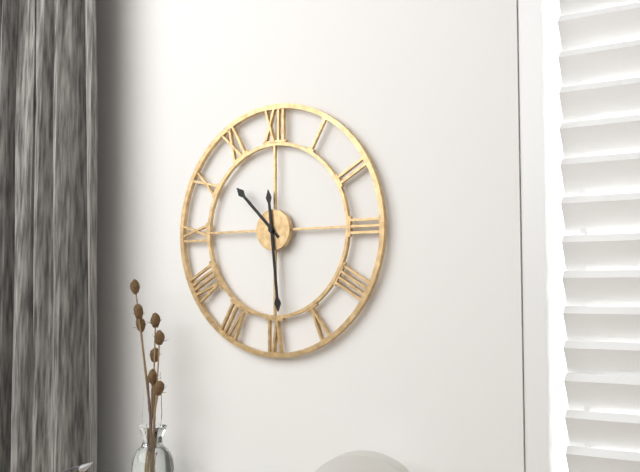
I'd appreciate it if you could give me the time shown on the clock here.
10:29
